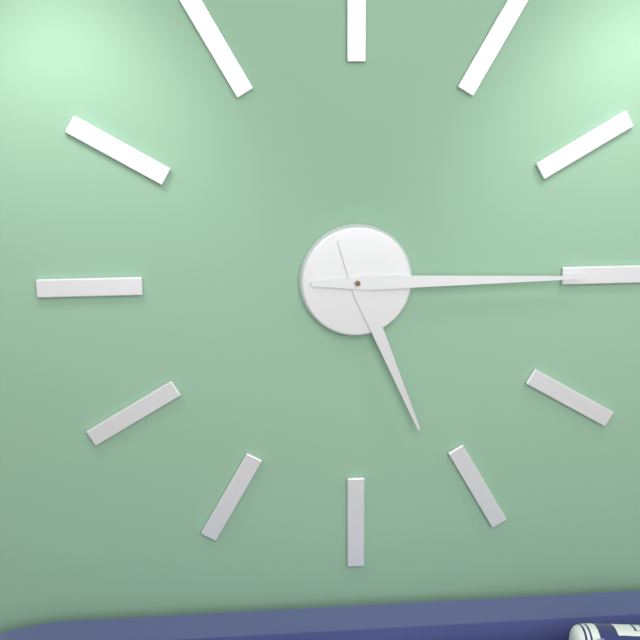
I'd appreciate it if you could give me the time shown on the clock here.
5:15
